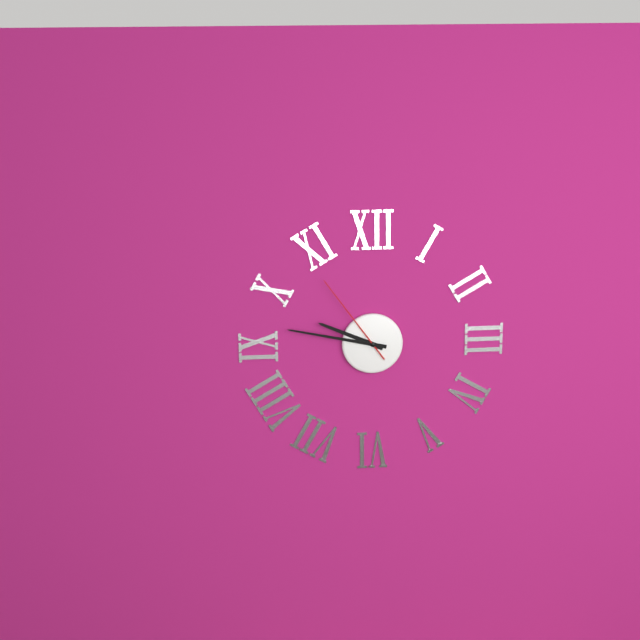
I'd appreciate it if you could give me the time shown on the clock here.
9:47:54
